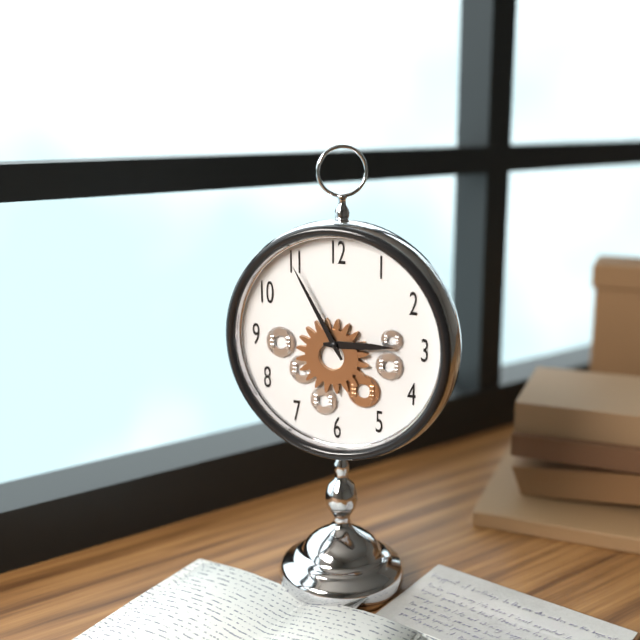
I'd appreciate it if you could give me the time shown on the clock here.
2:55
